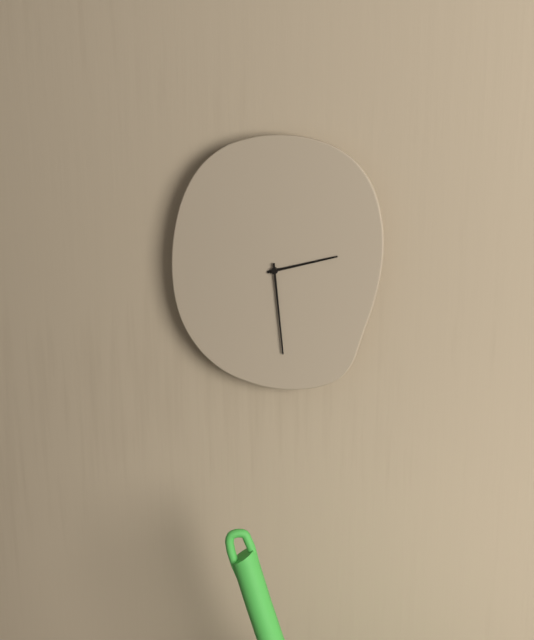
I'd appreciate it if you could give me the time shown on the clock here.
2:29
